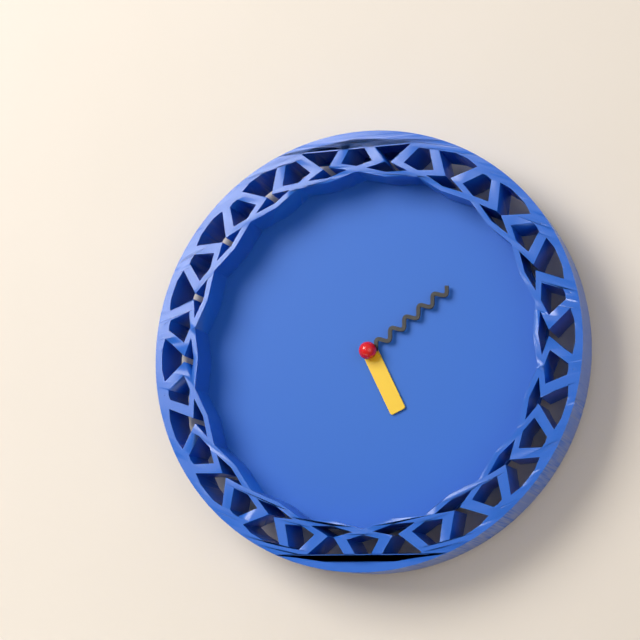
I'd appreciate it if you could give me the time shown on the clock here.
5:09
